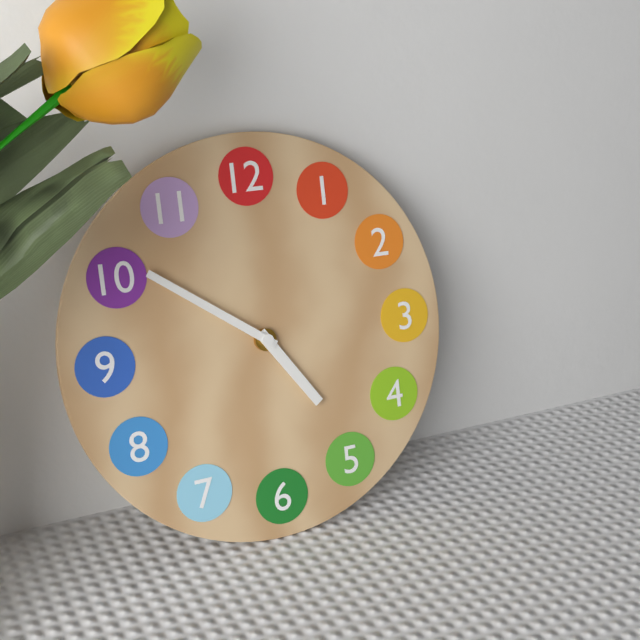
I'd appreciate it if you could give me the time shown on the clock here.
4:51
